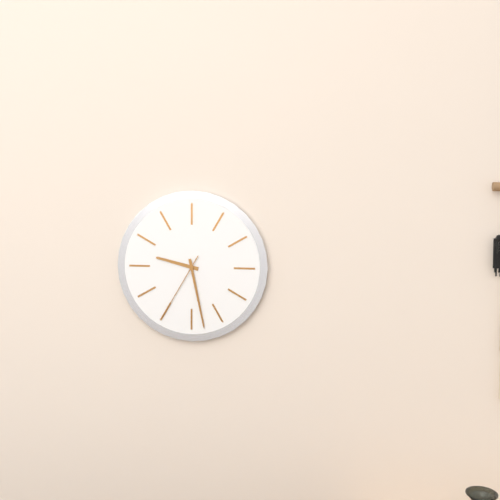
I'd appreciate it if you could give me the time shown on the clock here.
9:28:35
